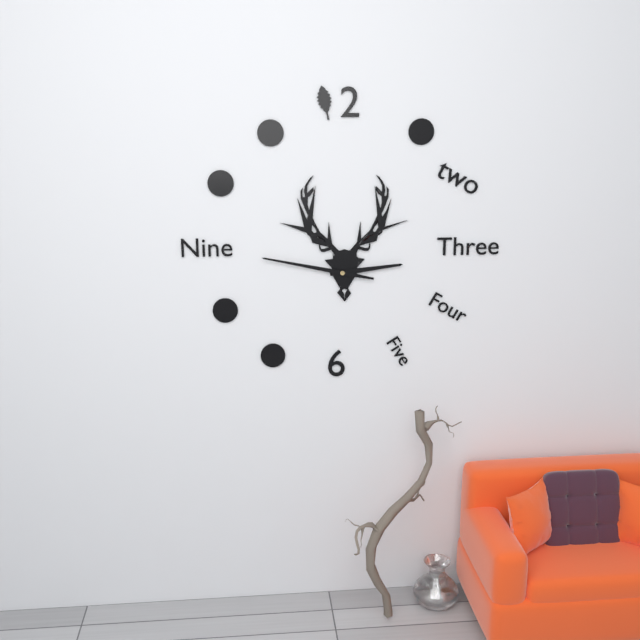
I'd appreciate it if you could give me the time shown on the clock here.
2:47
